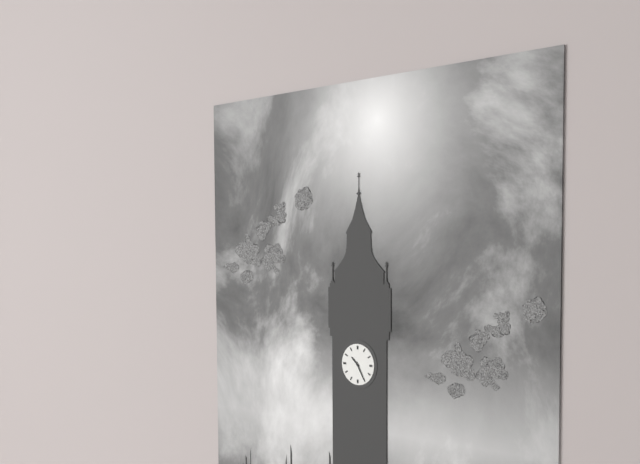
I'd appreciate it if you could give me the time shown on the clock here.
10:25
